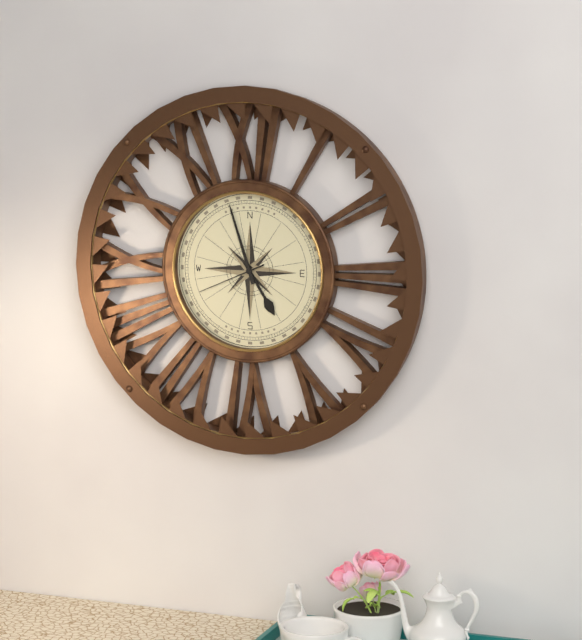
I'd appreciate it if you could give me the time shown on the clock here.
4:57:41
